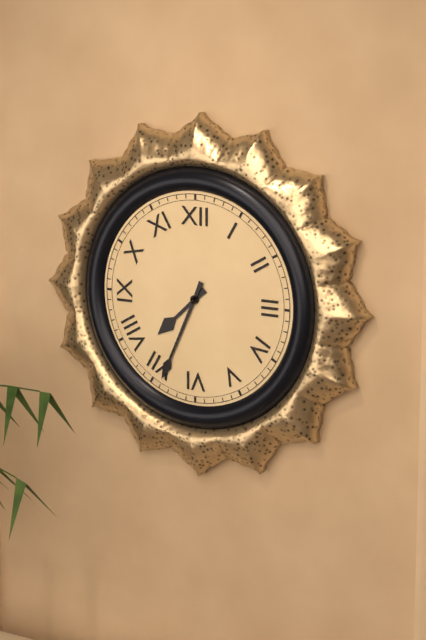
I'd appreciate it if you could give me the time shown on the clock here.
7:34
